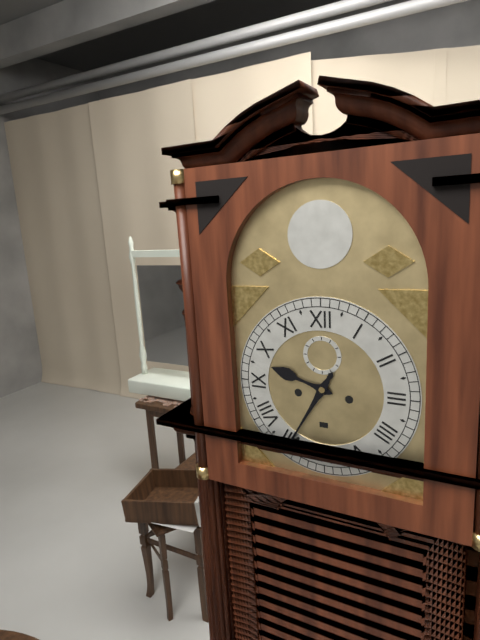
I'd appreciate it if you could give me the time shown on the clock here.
9:35
